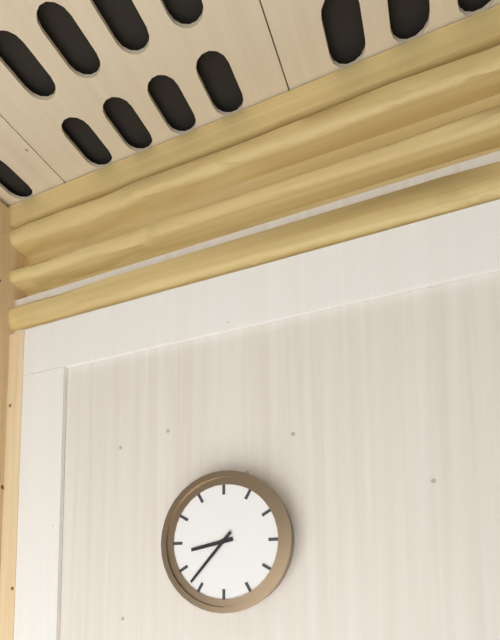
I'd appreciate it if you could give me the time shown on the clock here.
8:37
